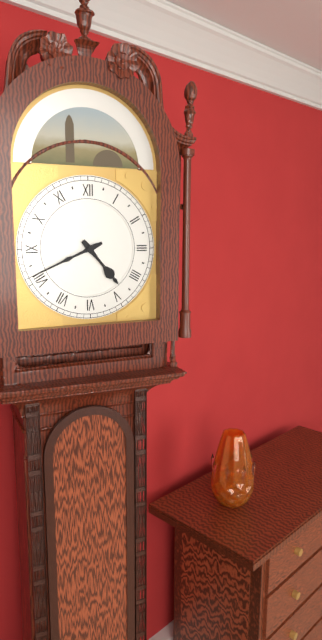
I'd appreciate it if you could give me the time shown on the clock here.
4:41
